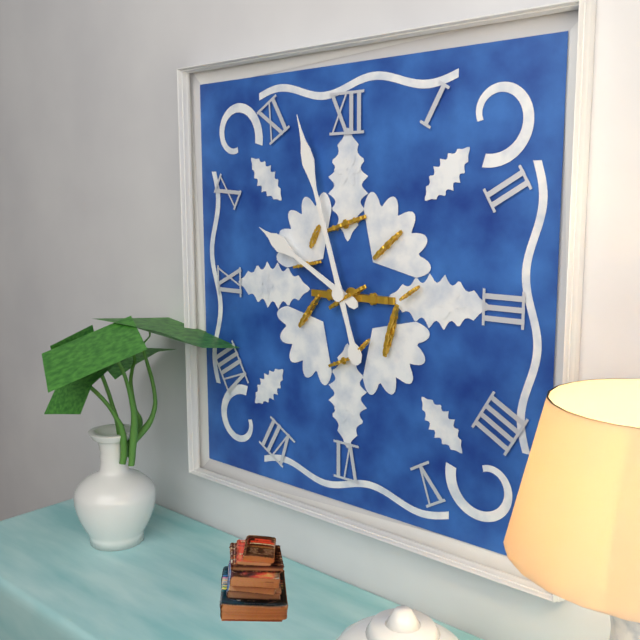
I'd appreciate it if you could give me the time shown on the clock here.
9:57
